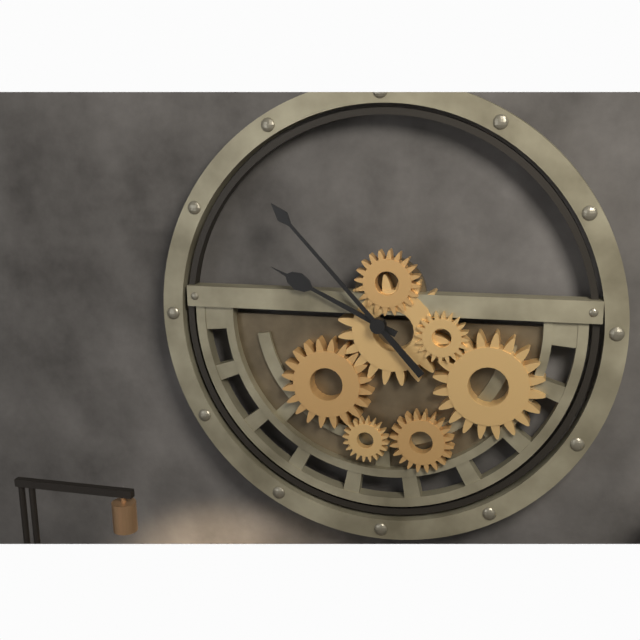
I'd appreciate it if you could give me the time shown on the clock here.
9:53
